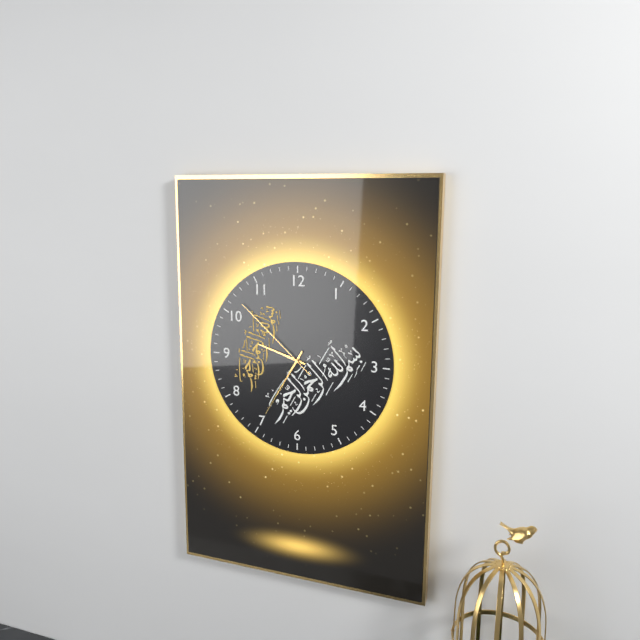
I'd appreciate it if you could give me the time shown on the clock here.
9:35:52
